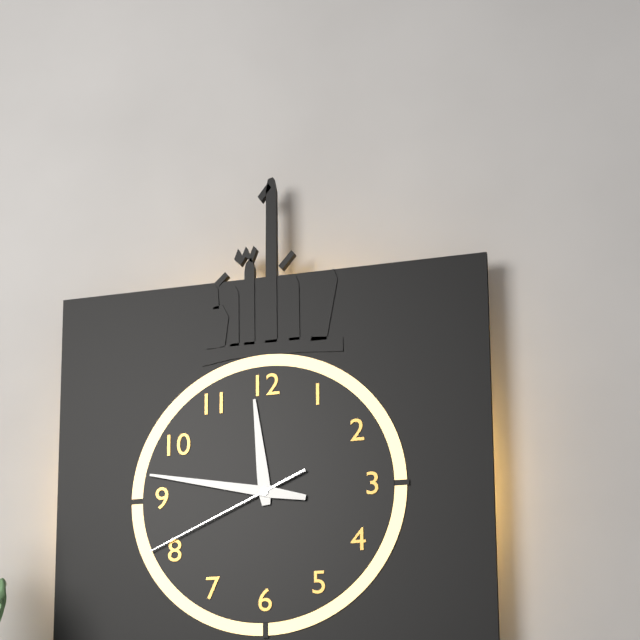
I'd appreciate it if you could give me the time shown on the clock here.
11:47:41
